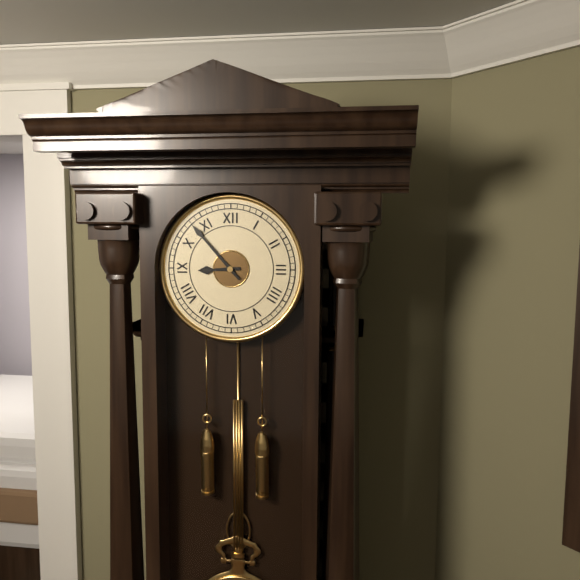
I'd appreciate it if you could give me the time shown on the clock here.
8:53
